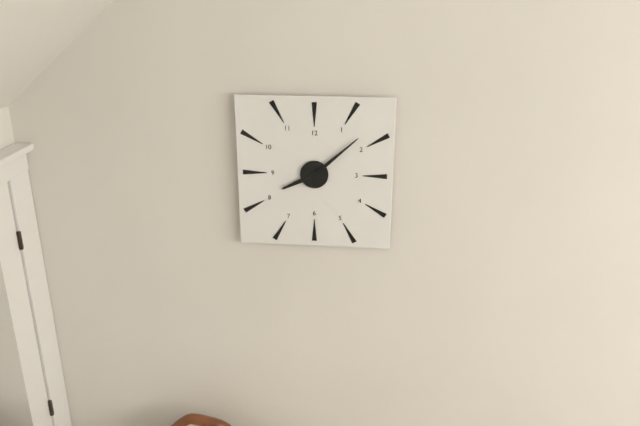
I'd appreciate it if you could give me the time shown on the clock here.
8:08
